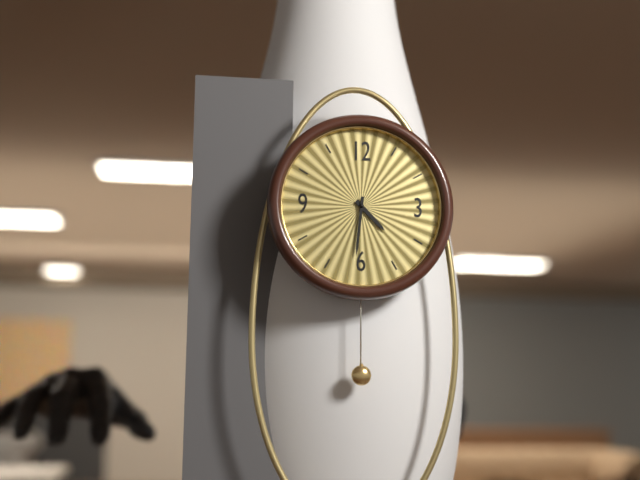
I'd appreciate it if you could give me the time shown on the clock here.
4:31
